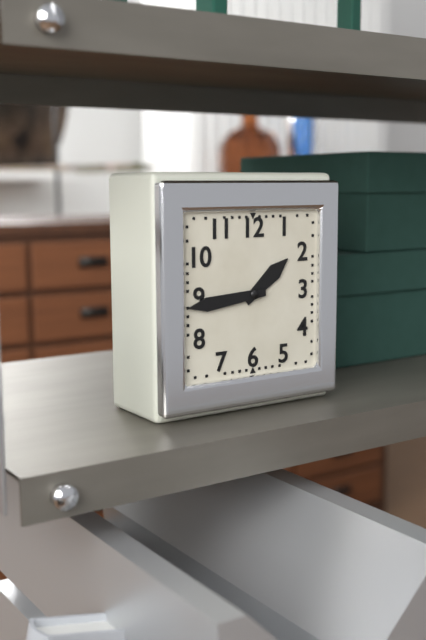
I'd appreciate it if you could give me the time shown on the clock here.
1:44
